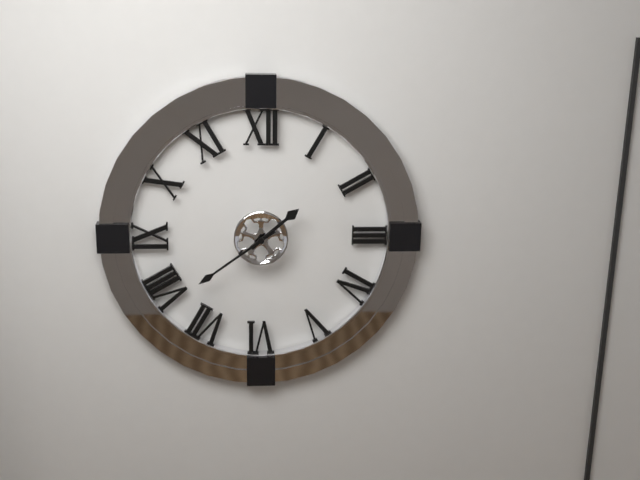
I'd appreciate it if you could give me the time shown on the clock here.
1:39
